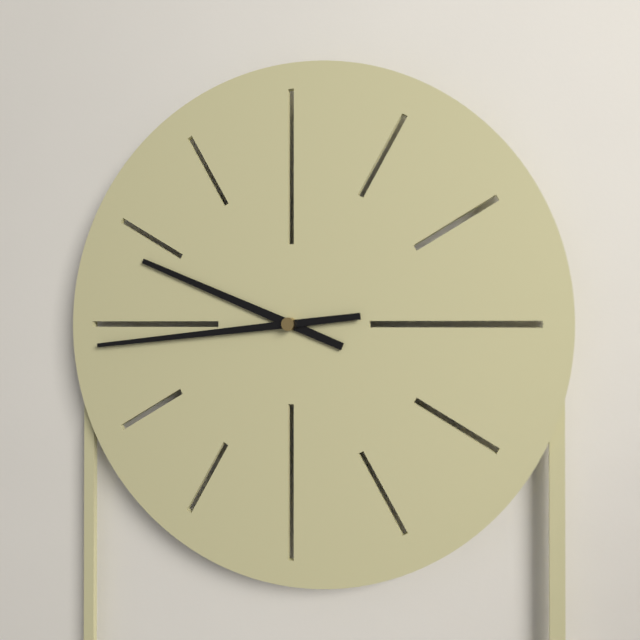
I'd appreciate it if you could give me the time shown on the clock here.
9:44
